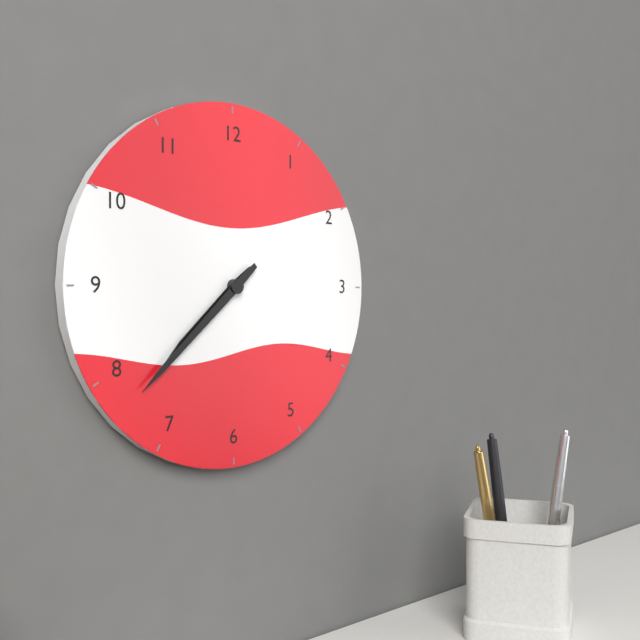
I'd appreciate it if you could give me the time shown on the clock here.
7:38
